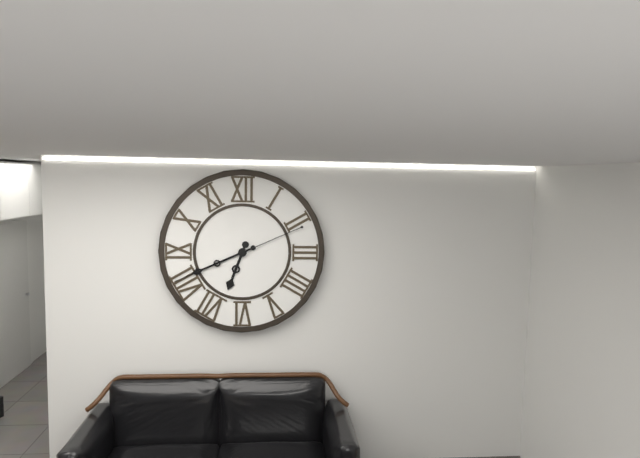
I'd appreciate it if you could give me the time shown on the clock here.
6:41:41
